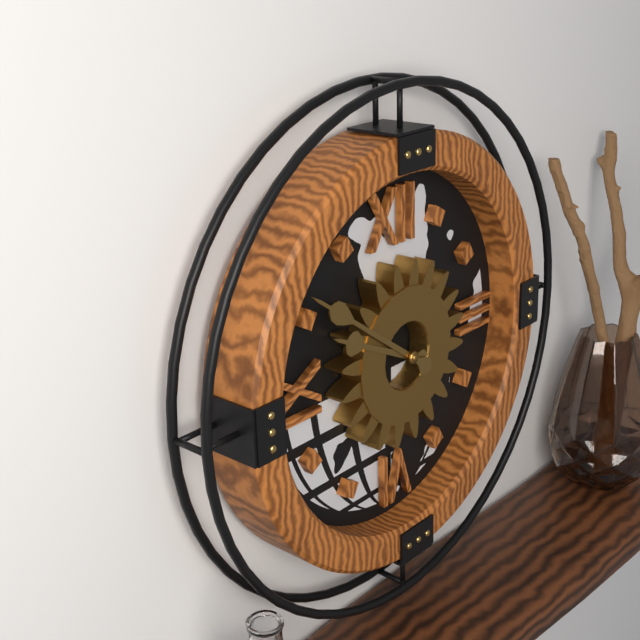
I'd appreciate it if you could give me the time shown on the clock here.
9:51
